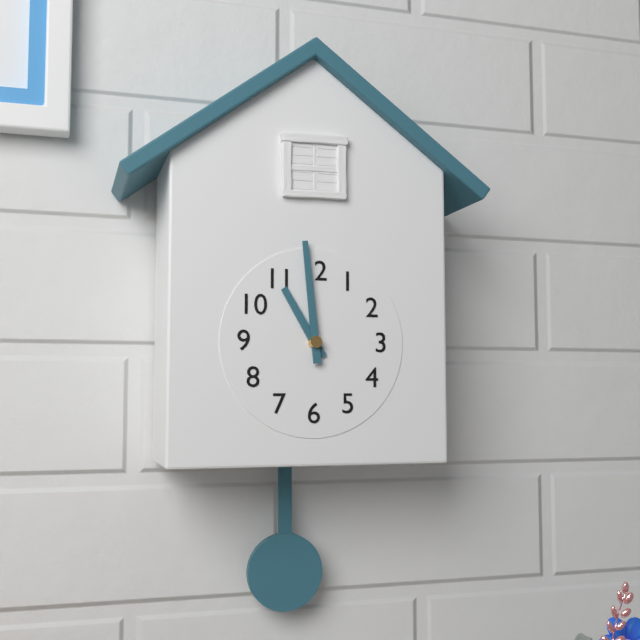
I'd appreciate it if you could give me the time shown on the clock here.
10:59
